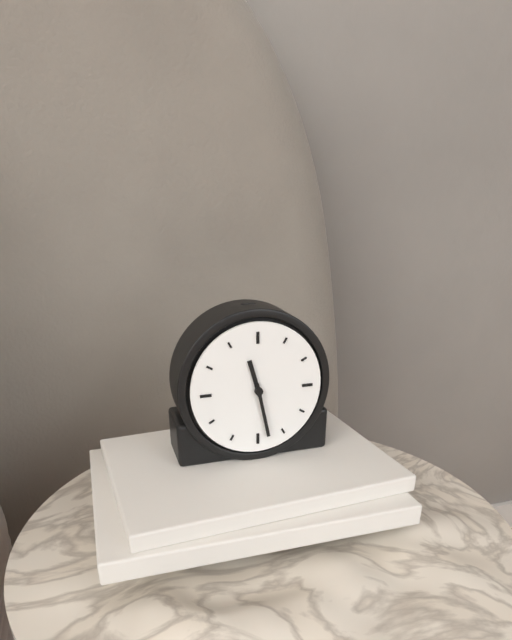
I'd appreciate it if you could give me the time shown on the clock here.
11:28
